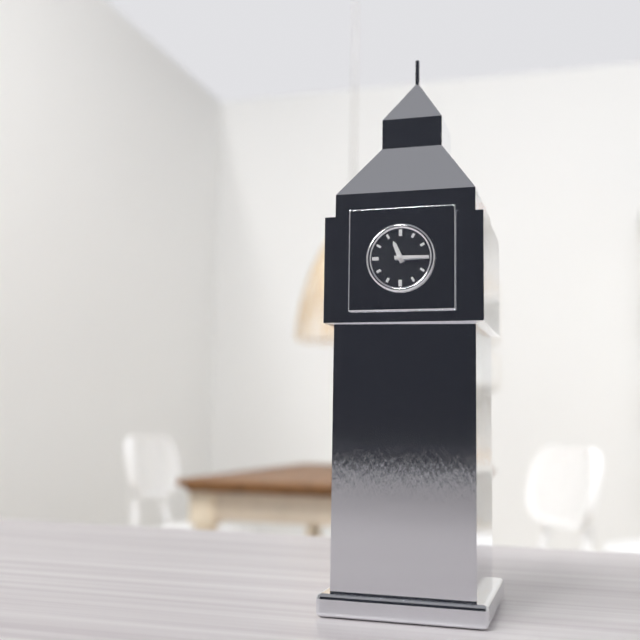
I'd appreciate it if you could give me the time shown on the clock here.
11:15
